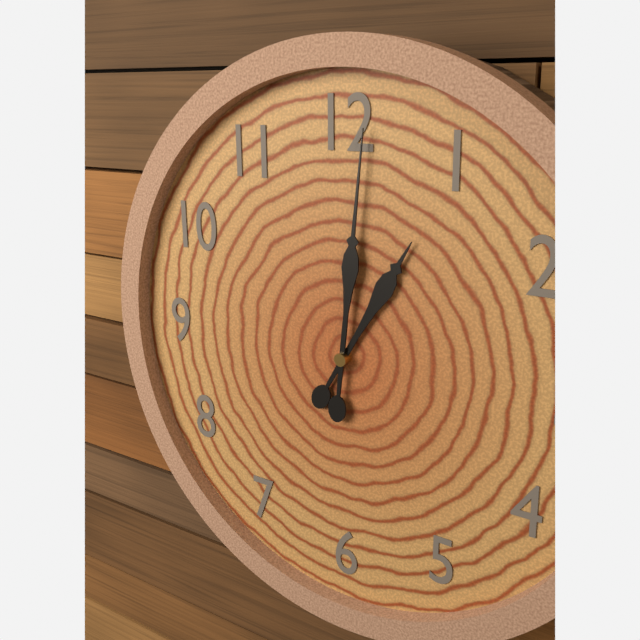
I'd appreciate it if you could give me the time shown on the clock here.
1:01
